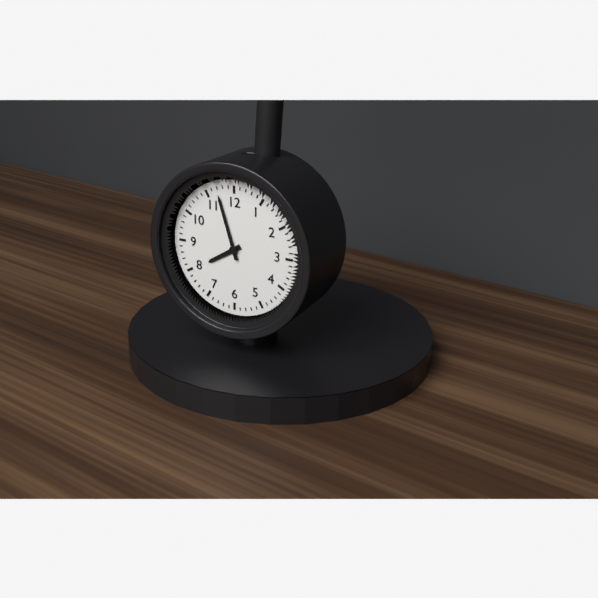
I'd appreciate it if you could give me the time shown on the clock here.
7:57
